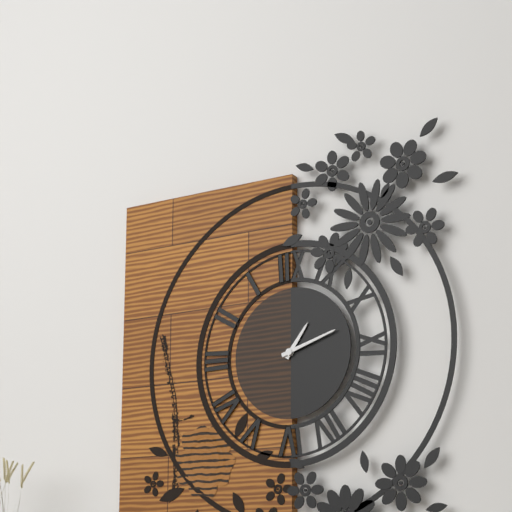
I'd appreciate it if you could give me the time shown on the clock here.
1:12
